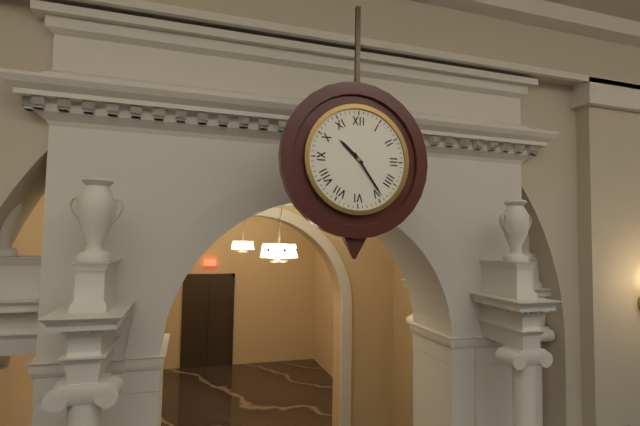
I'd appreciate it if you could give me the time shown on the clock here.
10:24
